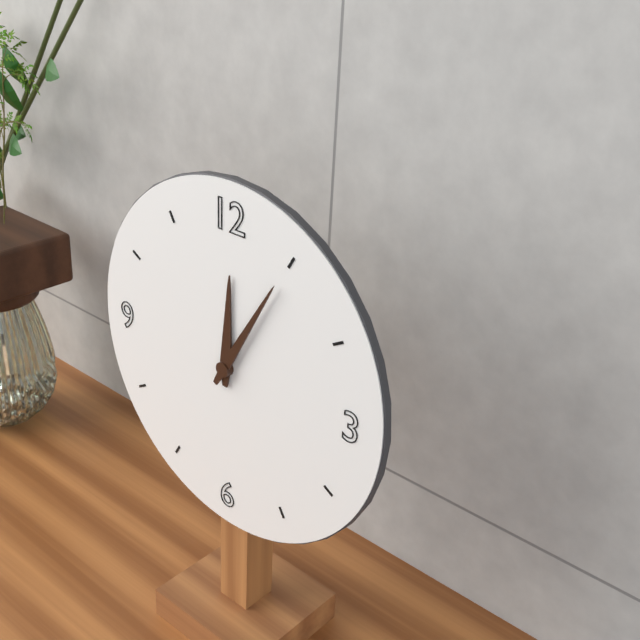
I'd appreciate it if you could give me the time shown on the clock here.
12:05
